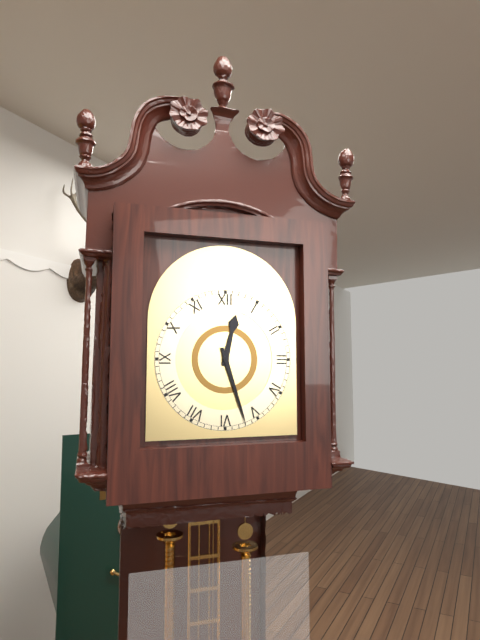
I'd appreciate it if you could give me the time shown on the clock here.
12:27
